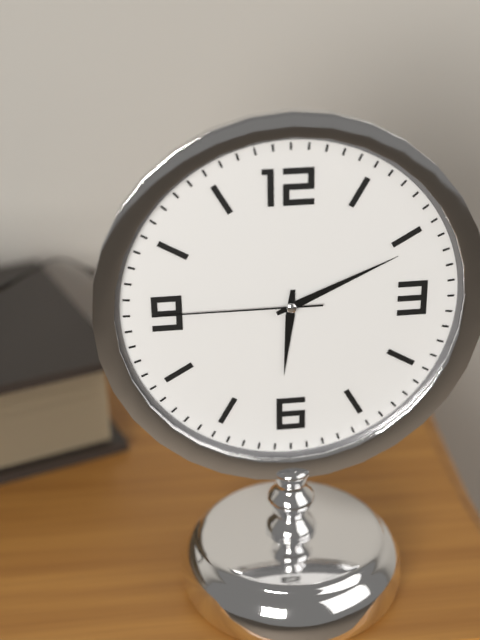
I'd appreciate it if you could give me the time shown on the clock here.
6:11:45
